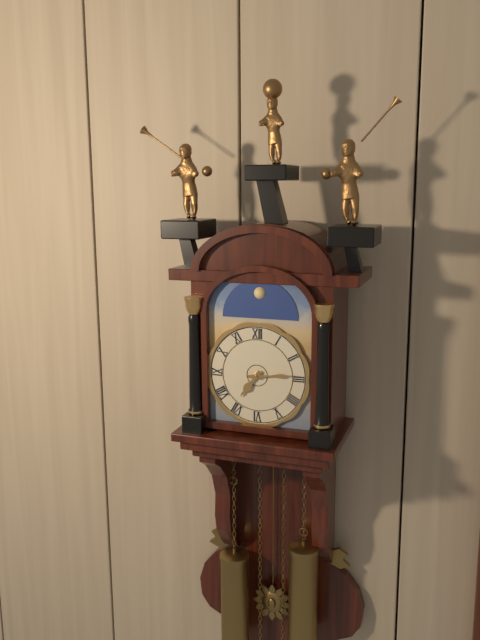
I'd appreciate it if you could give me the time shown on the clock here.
7:14
